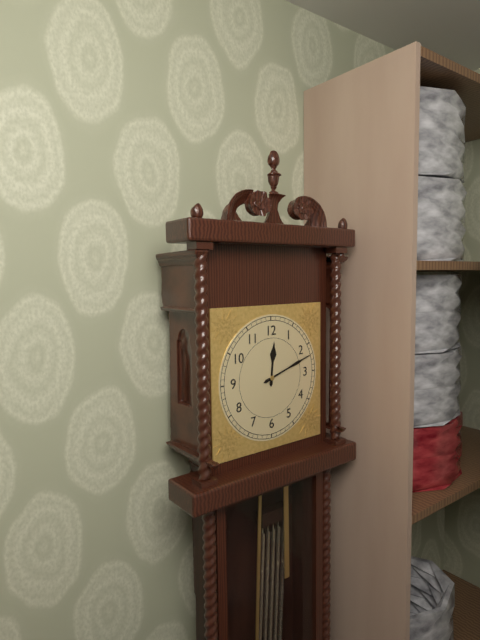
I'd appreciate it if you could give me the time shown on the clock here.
12:12
